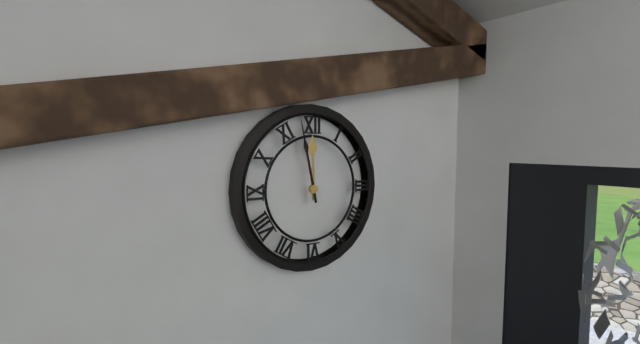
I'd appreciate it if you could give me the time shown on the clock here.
11:58
